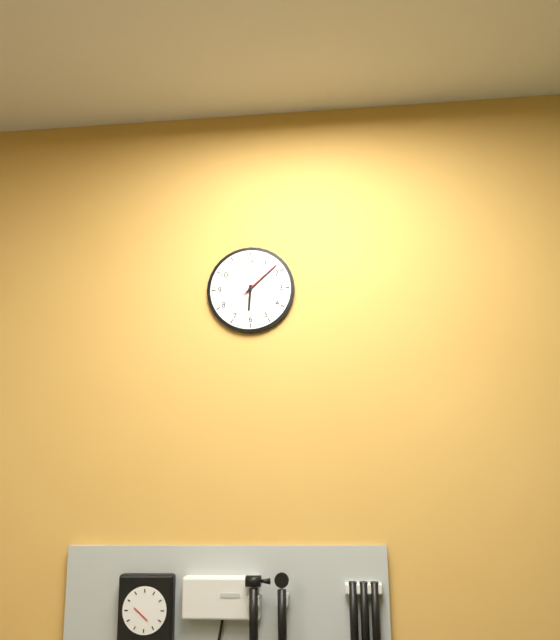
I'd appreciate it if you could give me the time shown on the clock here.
6:08
